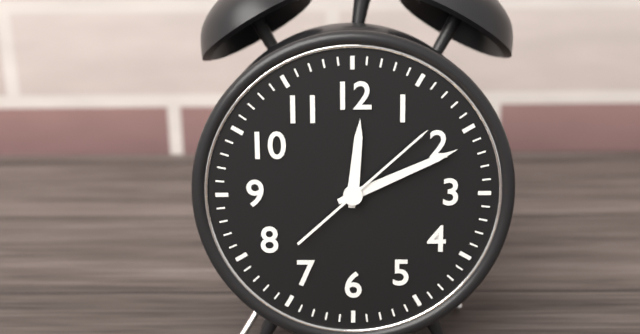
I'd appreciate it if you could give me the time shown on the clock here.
12:11:08
